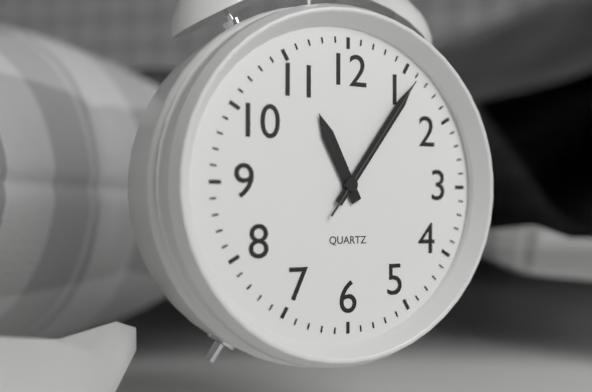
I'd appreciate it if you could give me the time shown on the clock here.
11:06:06
